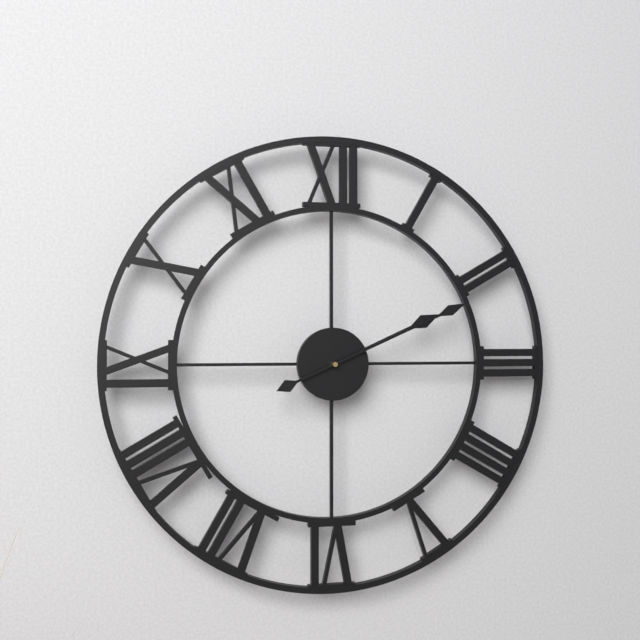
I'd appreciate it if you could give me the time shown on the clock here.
2:11
